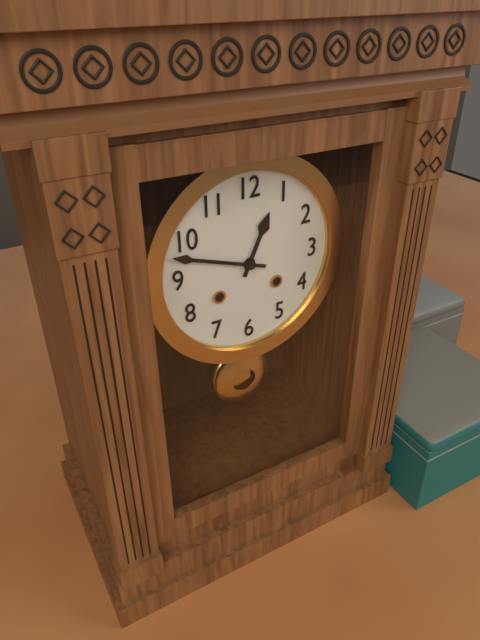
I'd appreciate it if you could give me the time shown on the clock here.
12:48
